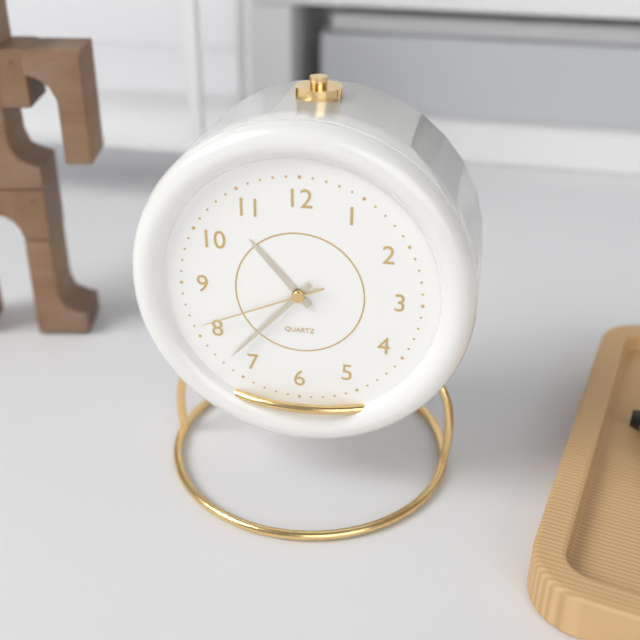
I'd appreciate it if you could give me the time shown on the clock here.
10:37:41
